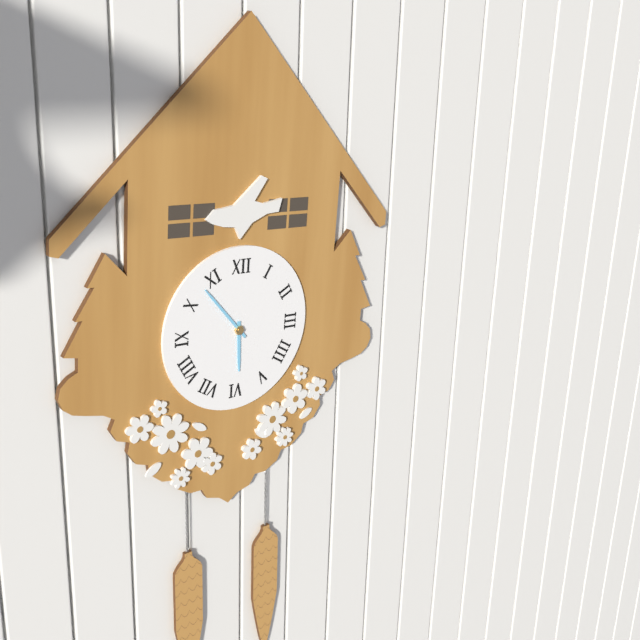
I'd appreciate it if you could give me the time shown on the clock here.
5:53
